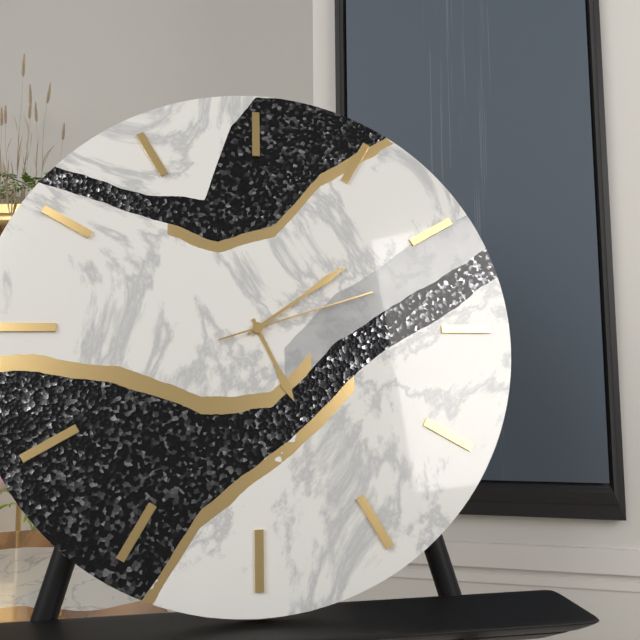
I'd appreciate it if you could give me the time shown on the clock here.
5:09:12
